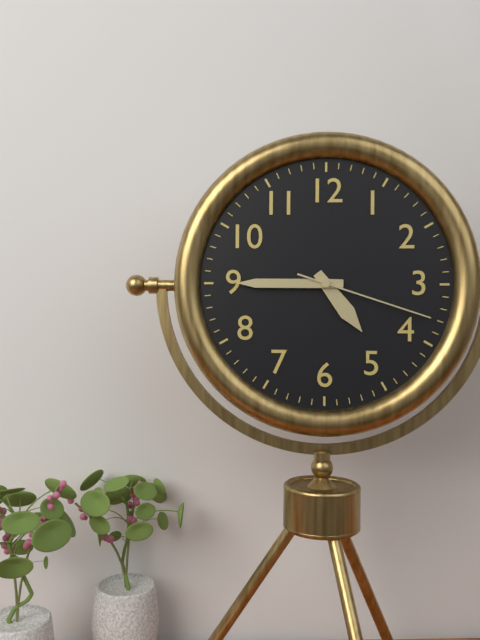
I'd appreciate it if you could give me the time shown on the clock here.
4:45:18
